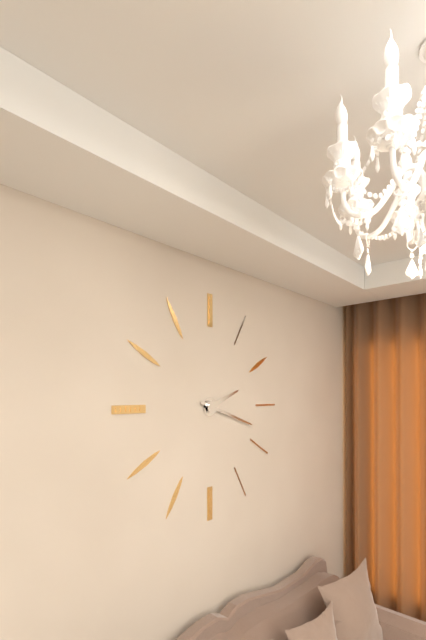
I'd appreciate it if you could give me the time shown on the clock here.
2:18
